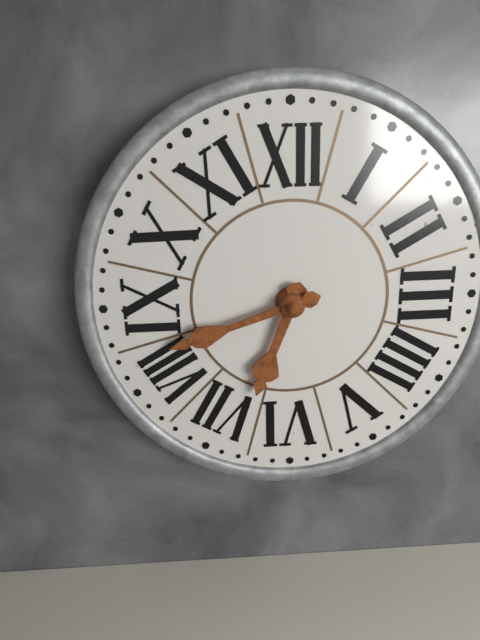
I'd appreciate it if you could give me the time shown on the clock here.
6:42
